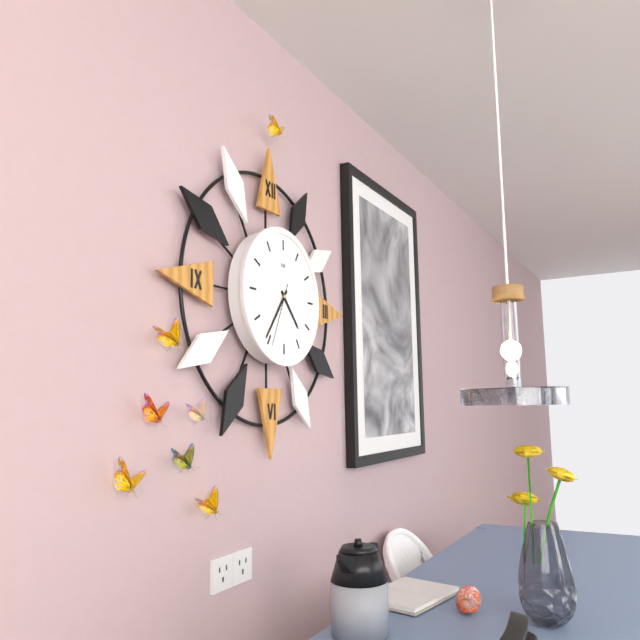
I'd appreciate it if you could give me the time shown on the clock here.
4:36:34
